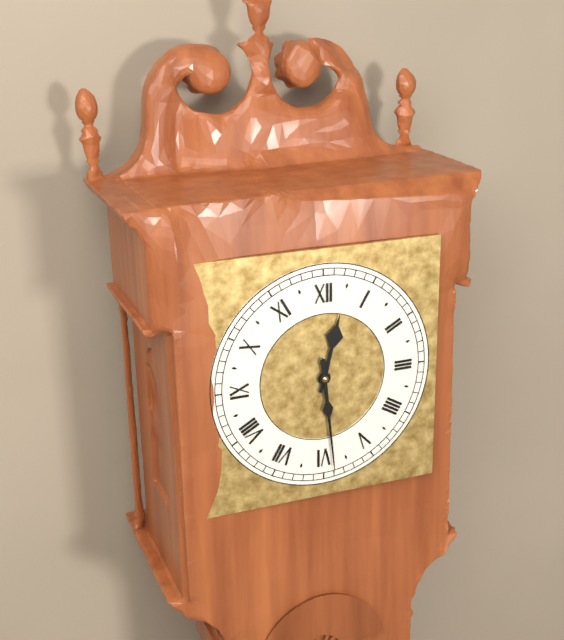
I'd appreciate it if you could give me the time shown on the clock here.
12:29
